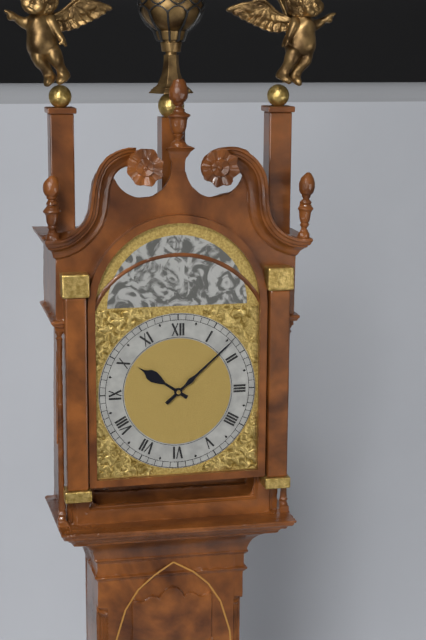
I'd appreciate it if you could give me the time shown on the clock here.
10:08
